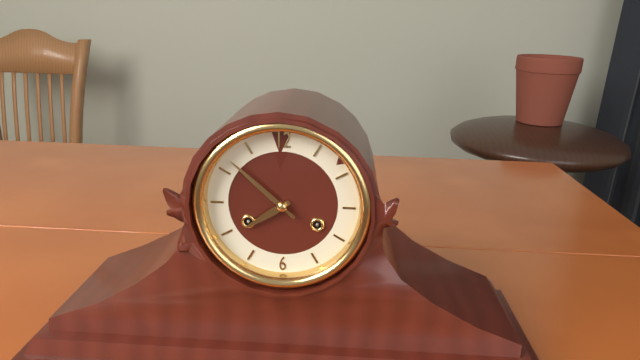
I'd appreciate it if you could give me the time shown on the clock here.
7:52
